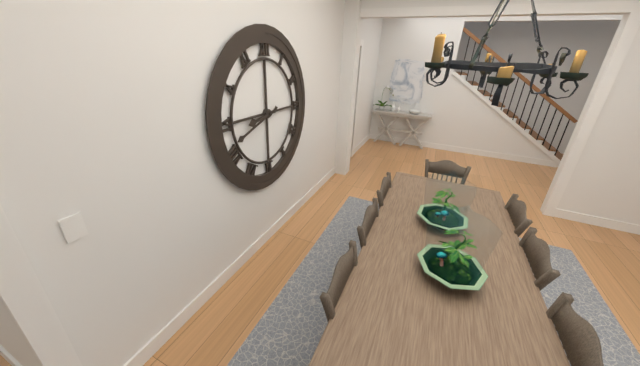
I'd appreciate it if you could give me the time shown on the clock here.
8:42
